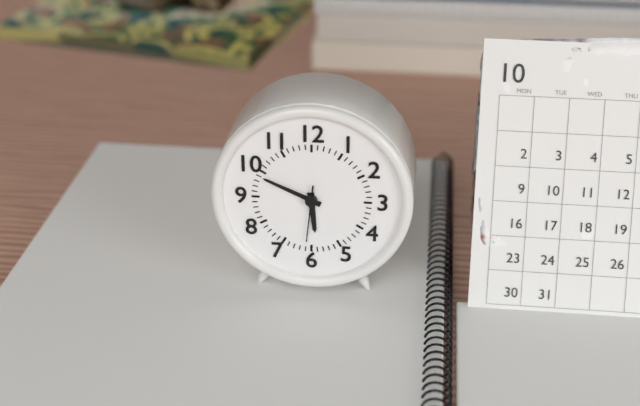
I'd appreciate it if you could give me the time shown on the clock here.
5:49:31
